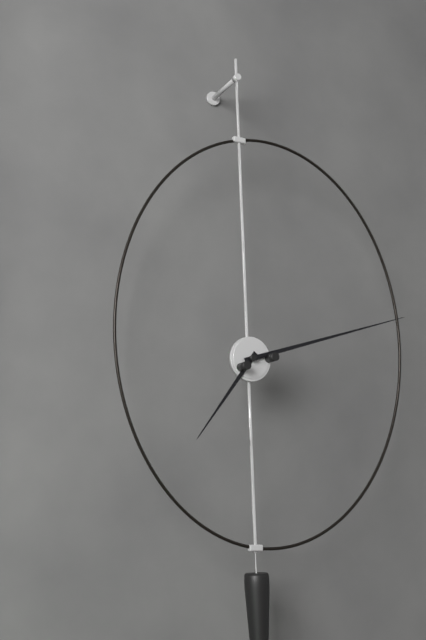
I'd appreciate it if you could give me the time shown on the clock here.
7:12
